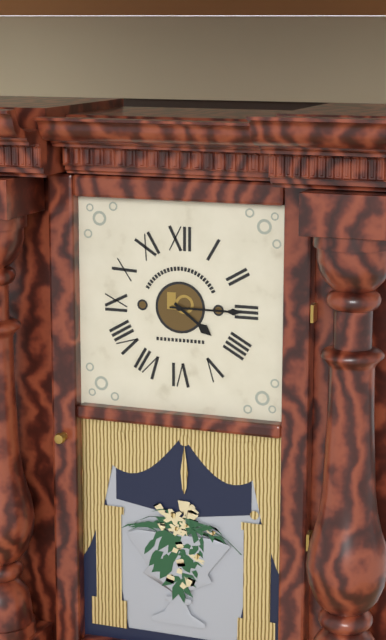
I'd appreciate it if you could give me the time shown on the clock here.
4:15
